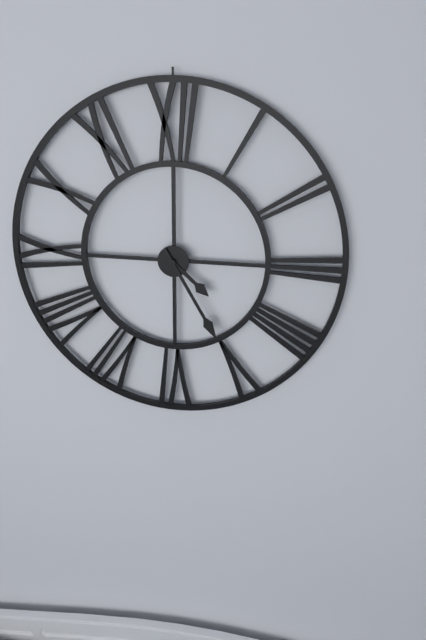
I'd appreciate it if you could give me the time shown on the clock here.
4:25
